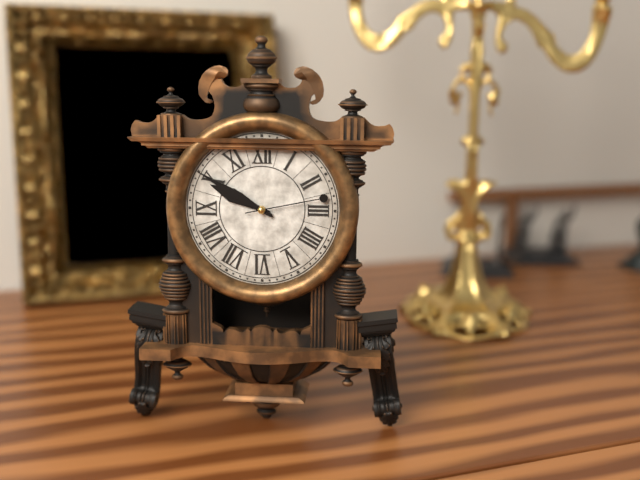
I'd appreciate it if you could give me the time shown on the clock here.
9:50:13
